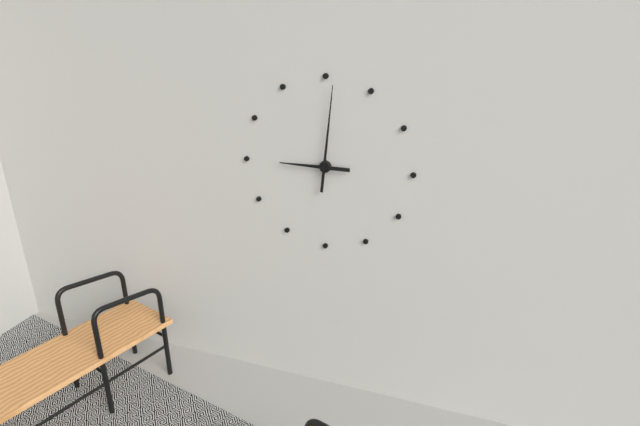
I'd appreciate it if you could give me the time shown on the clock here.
9:01
